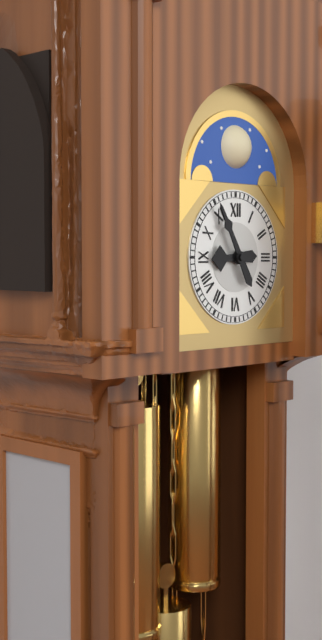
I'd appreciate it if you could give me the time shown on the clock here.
8:55
